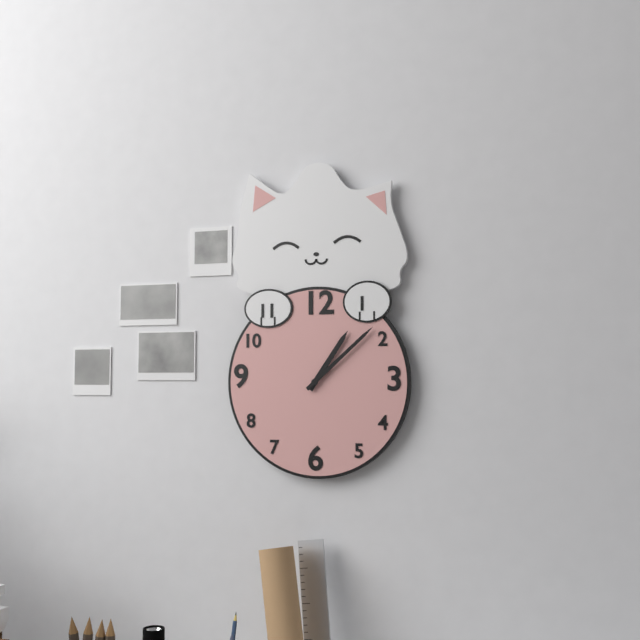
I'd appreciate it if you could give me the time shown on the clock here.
1:08
